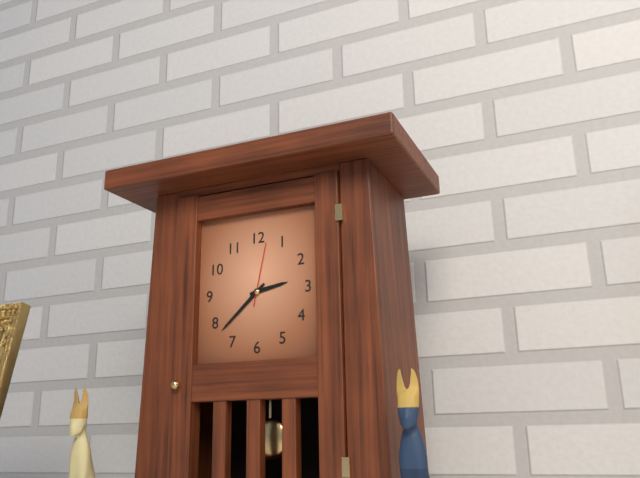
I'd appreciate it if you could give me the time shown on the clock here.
2:38:02
